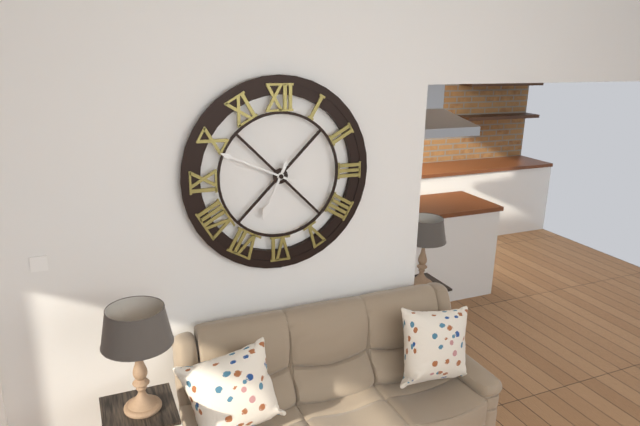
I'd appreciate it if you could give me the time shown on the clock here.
6:49
